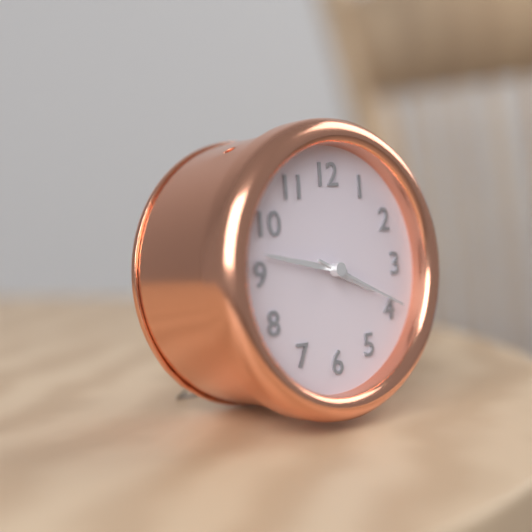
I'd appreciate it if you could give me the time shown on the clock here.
3:47:19
